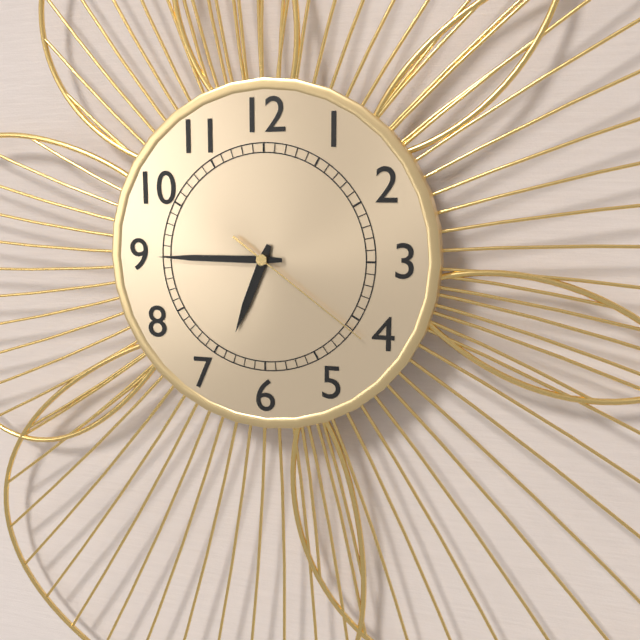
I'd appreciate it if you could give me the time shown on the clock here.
6:45:21
